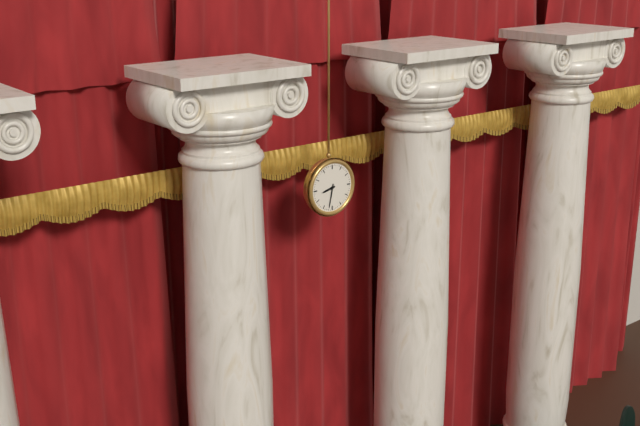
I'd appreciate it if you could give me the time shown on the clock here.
8:32
